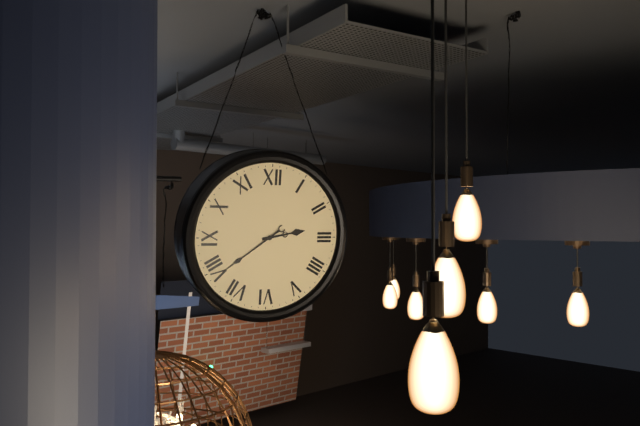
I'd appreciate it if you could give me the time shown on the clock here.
2:39
